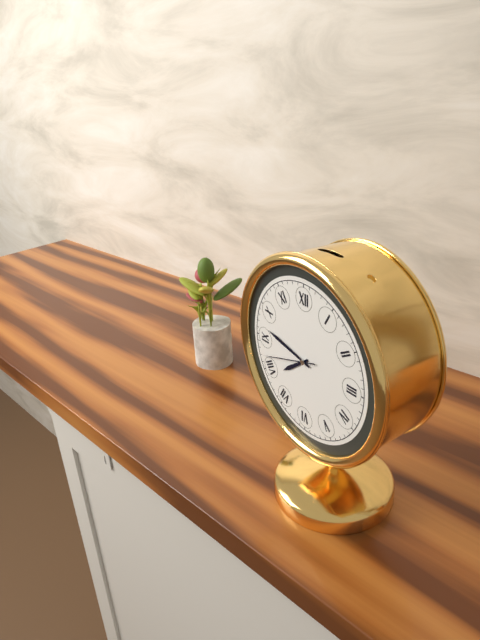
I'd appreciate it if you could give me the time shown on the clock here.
7:47
